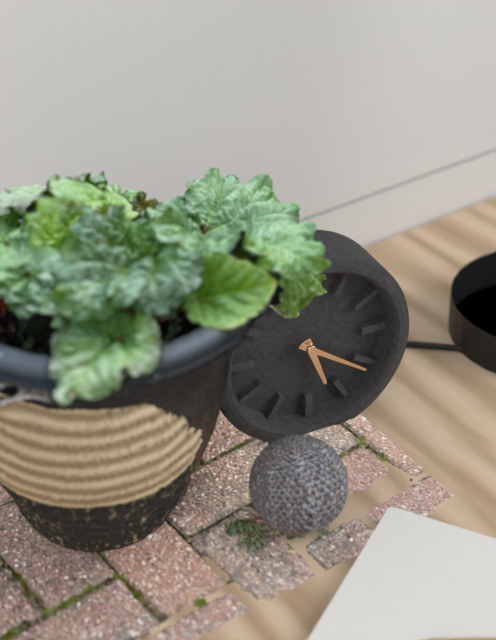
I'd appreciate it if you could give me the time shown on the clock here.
5:21
